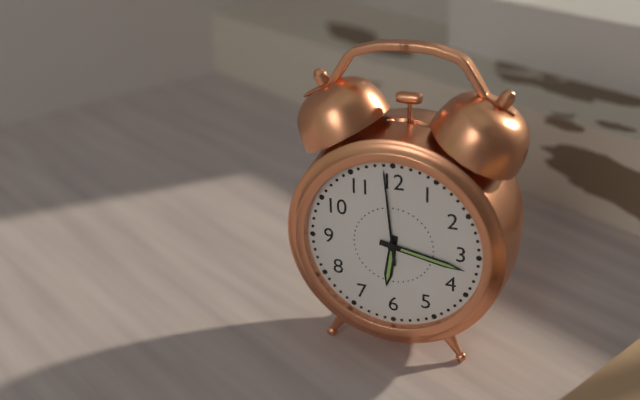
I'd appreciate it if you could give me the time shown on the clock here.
6:17:59
